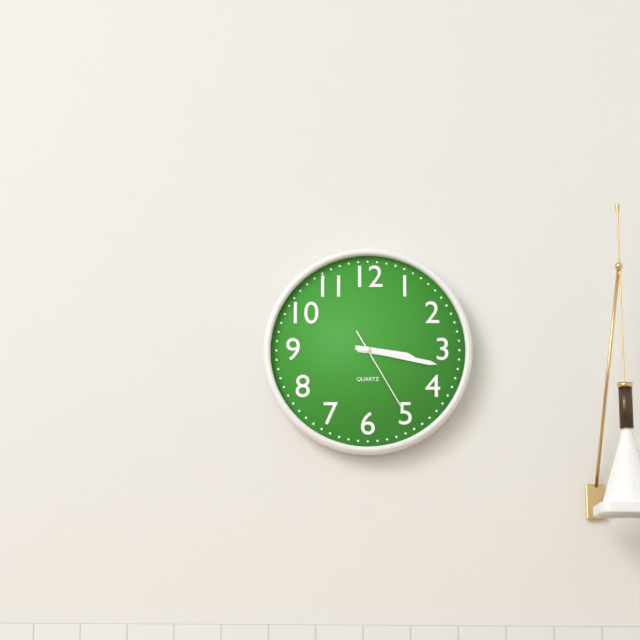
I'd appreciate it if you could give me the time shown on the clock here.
3:17:25
